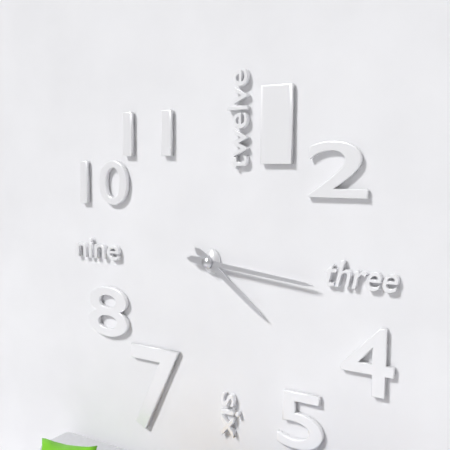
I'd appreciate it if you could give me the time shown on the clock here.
4:16
